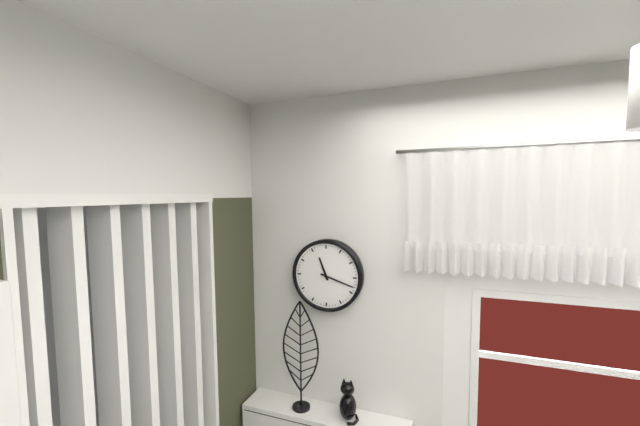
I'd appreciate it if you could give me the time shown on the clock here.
11:18
